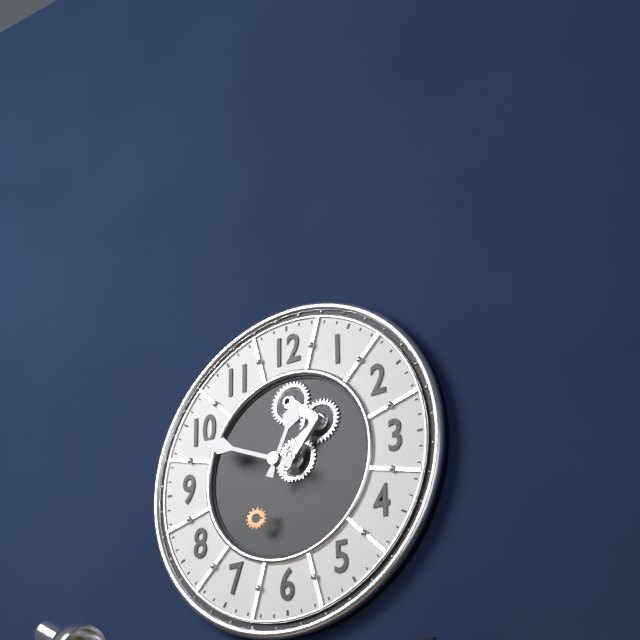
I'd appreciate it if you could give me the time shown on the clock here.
12:49
